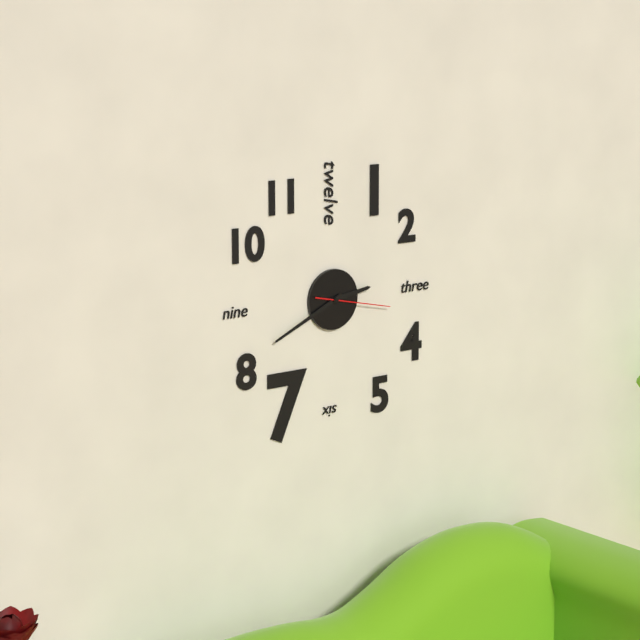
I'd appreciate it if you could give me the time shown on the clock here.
2:41:17
